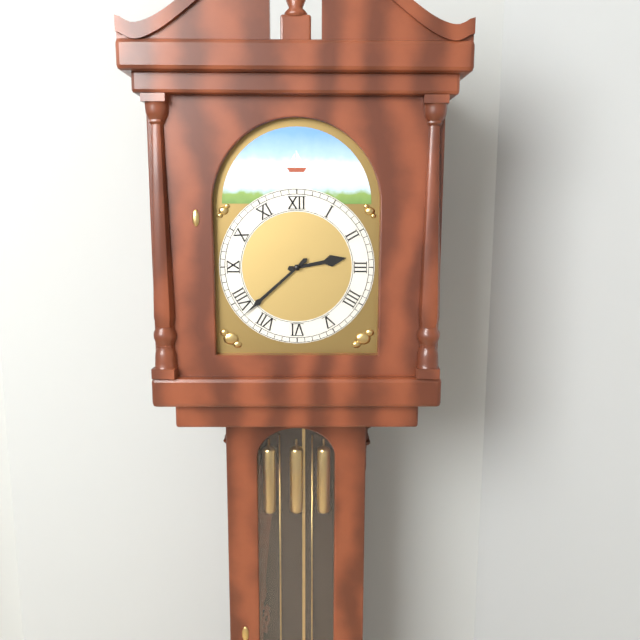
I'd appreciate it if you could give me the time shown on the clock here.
2:38
